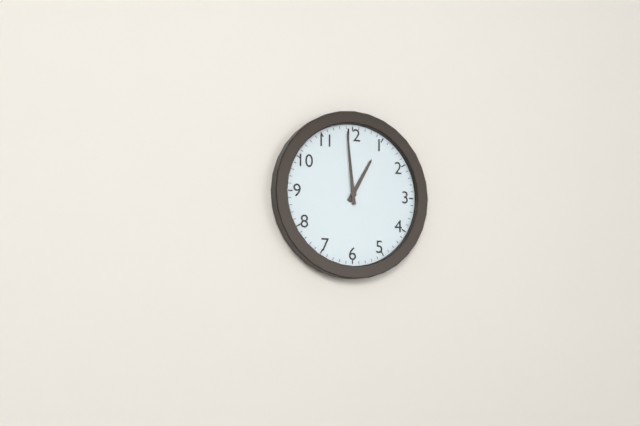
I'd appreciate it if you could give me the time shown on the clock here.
12:59
